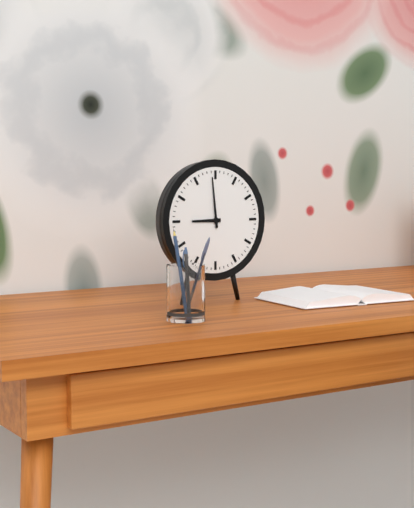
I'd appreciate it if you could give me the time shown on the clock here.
8:59
